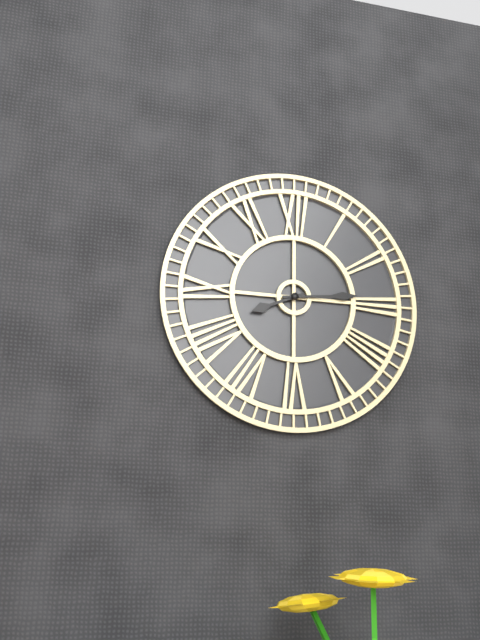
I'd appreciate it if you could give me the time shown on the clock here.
8:14
